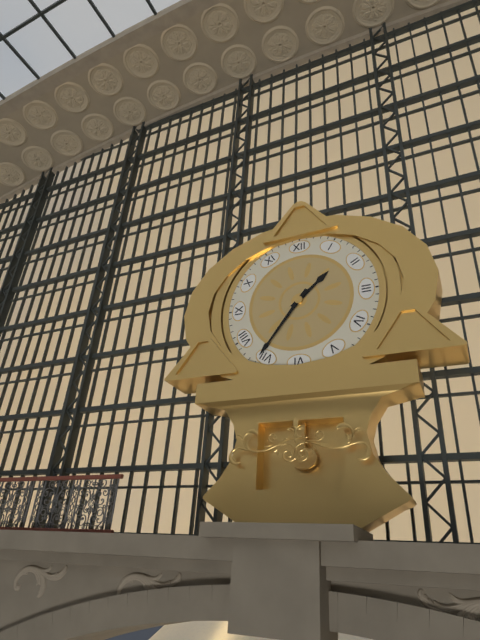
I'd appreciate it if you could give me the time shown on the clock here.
1:36
